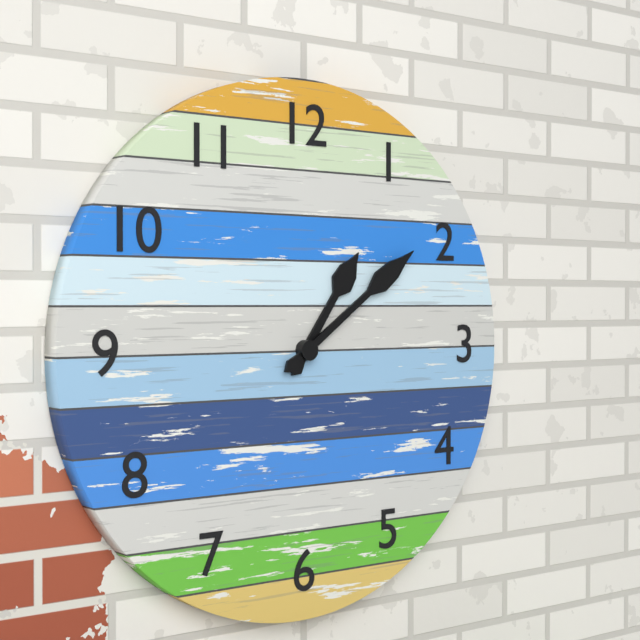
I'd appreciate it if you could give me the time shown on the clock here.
1:09
